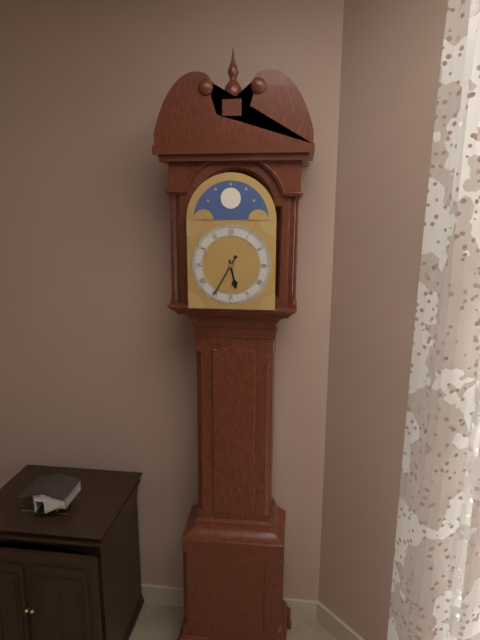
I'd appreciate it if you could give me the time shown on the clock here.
5:35
